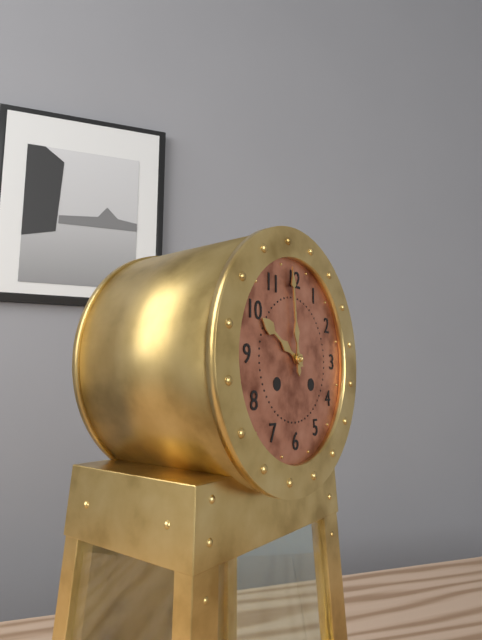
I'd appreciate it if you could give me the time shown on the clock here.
9:59
